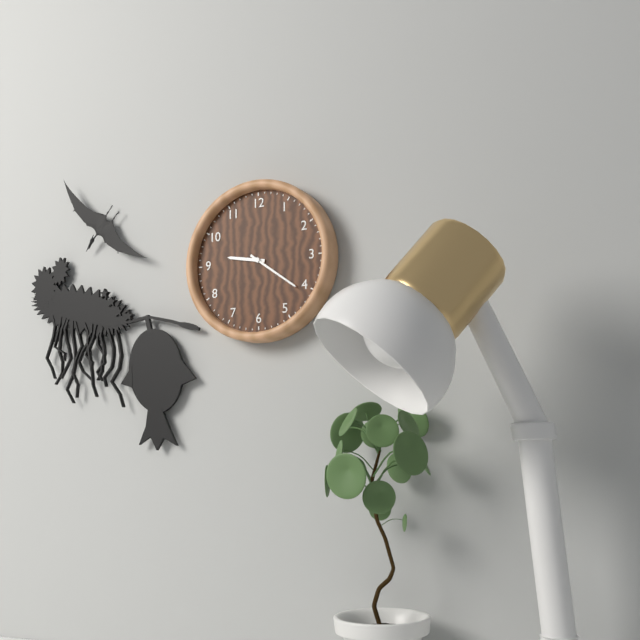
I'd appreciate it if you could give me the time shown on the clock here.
9:21
